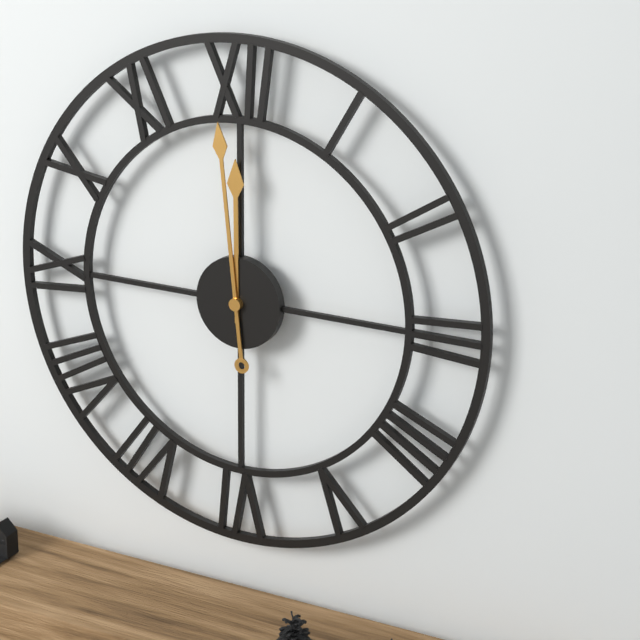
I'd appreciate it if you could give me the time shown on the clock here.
11:59
